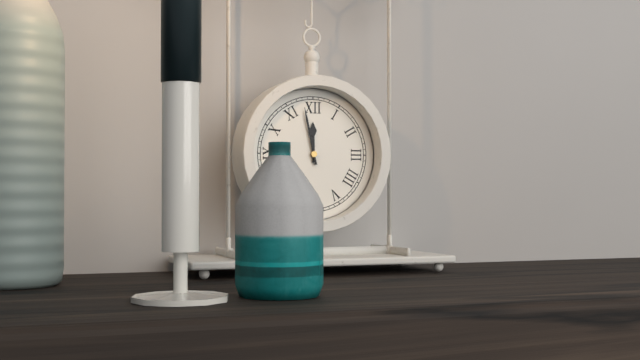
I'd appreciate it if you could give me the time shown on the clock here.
11:58
